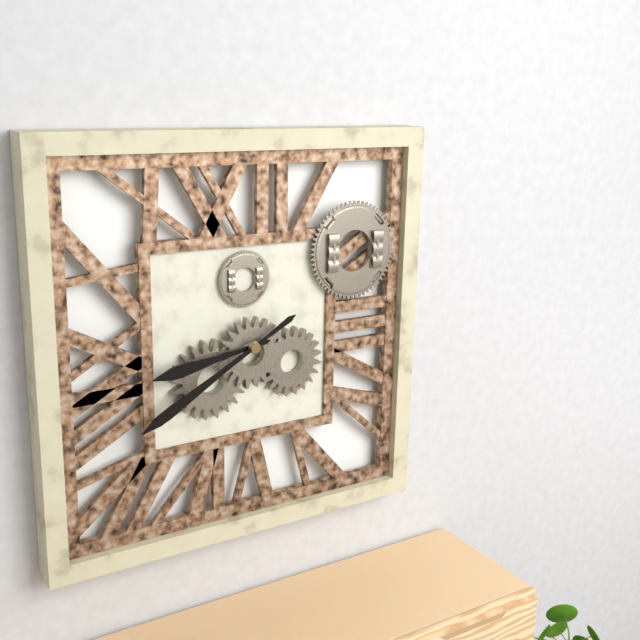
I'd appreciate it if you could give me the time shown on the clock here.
8:40
